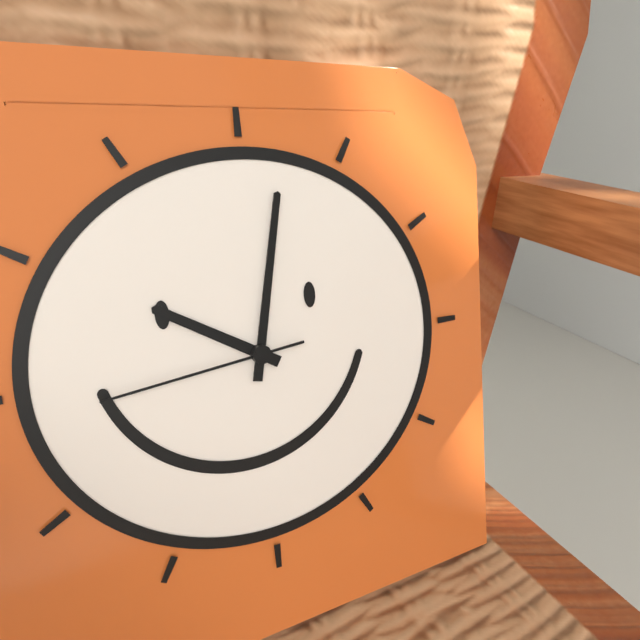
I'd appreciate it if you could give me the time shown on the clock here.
10:02:44
